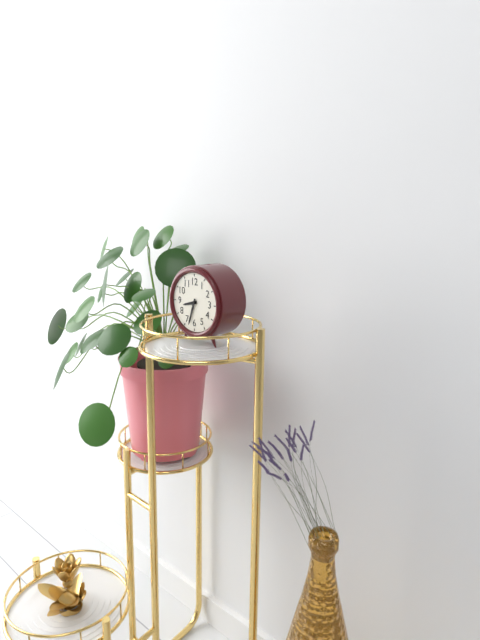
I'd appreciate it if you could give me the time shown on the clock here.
8:33
